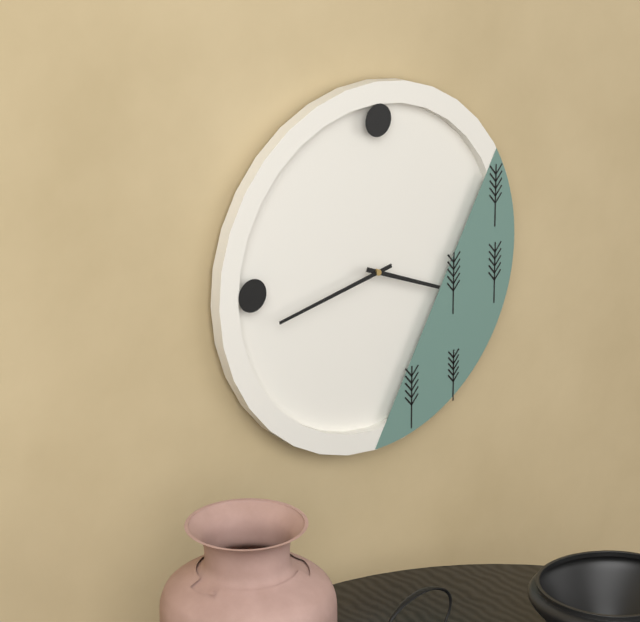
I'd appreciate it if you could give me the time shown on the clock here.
3:43
